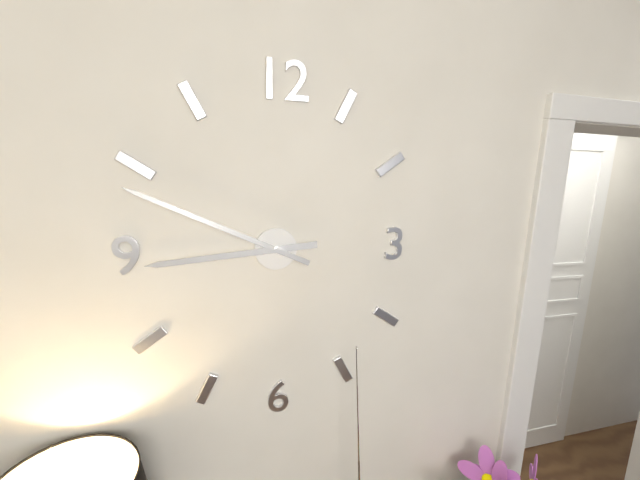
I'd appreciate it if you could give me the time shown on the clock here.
8:49
